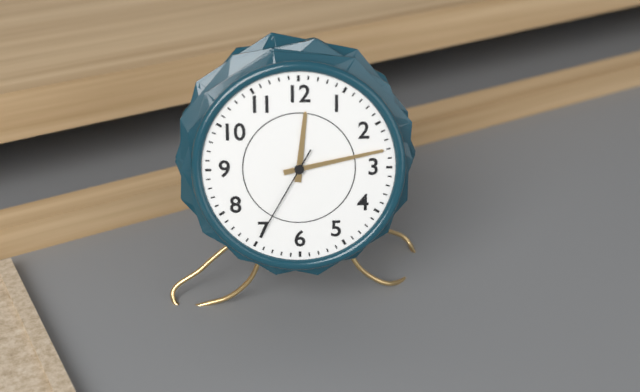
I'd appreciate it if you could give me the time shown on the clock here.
12:13:35
